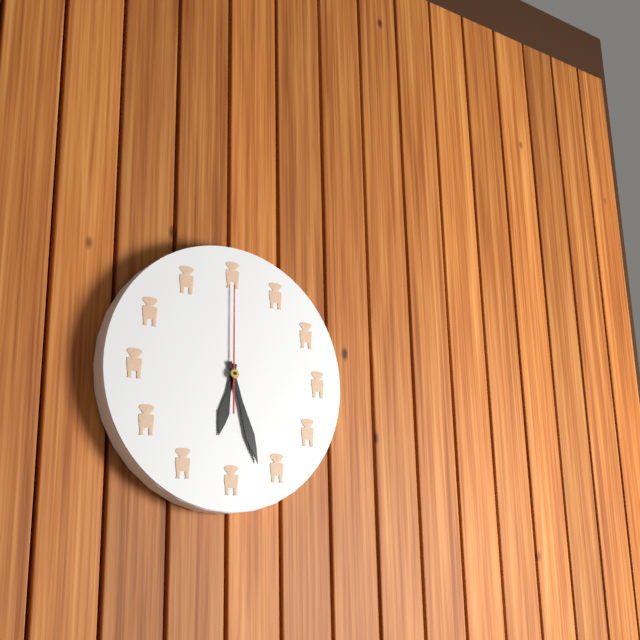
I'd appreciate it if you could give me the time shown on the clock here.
6:27:00
